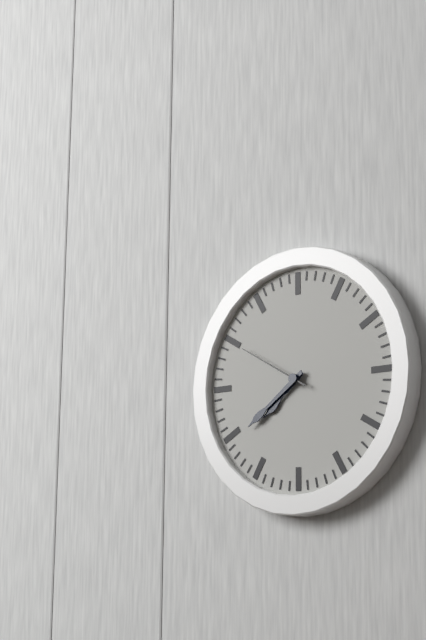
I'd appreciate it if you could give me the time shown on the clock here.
7:39:50
